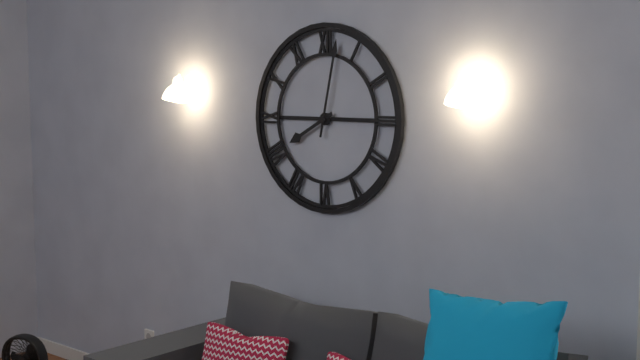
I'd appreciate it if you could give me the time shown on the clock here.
8:02
